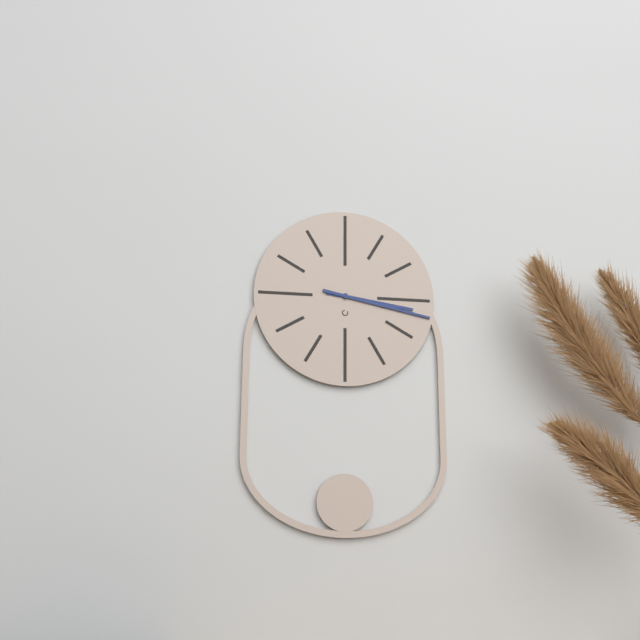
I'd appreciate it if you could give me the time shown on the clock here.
3:17
